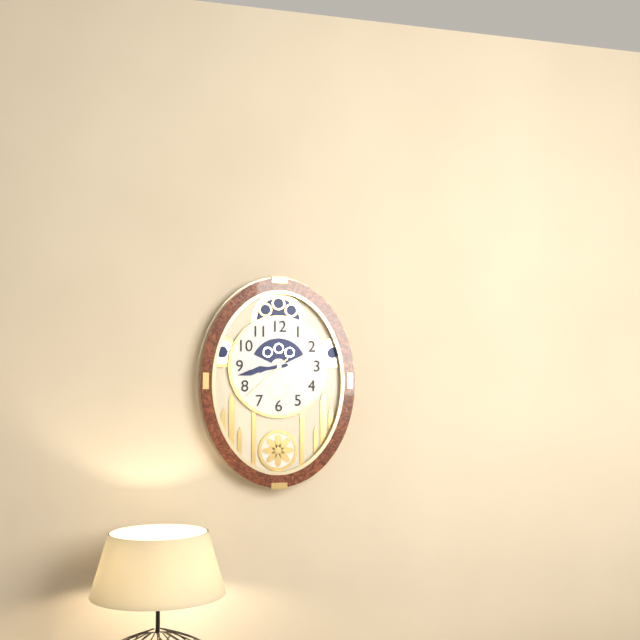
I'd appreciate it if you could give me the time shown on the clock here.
8:43:38
